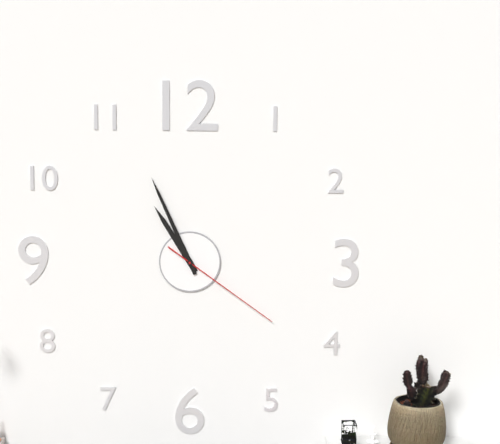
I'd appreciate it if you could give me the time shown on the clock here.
10:56:21
